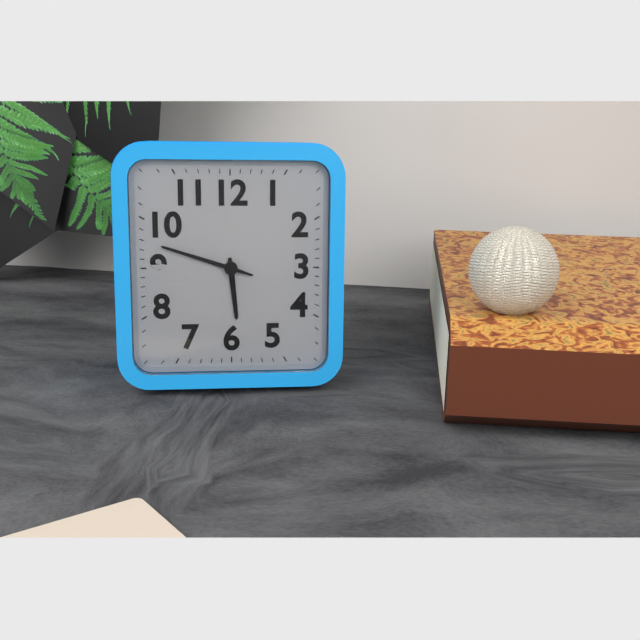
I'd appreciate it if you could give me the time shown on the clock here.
5:48
